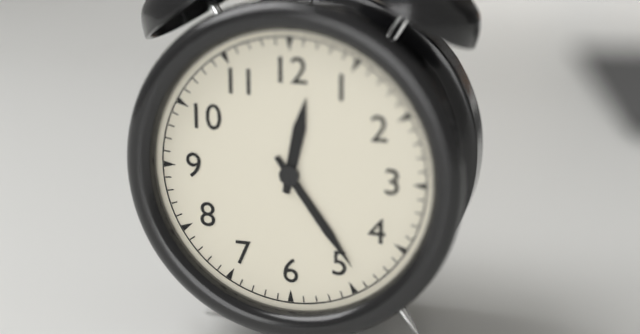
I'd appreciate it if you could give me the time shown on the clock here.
12:24
